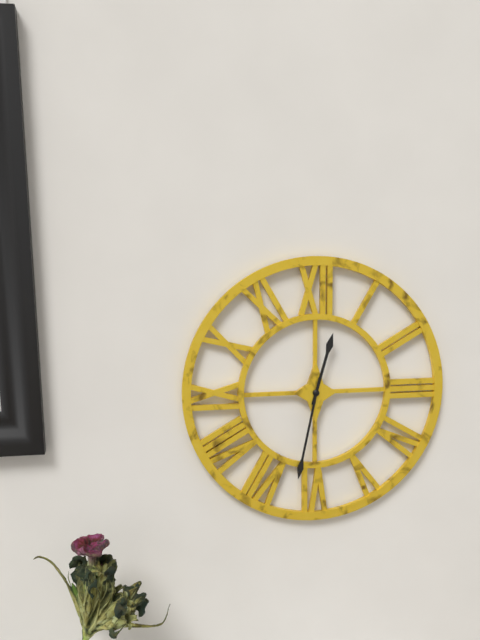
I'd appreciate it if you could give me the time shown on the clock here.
12:32
